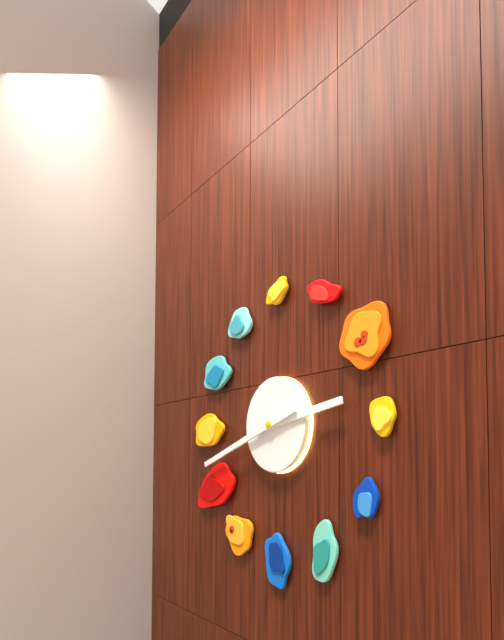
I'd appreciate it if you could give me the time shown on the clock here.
2:42
